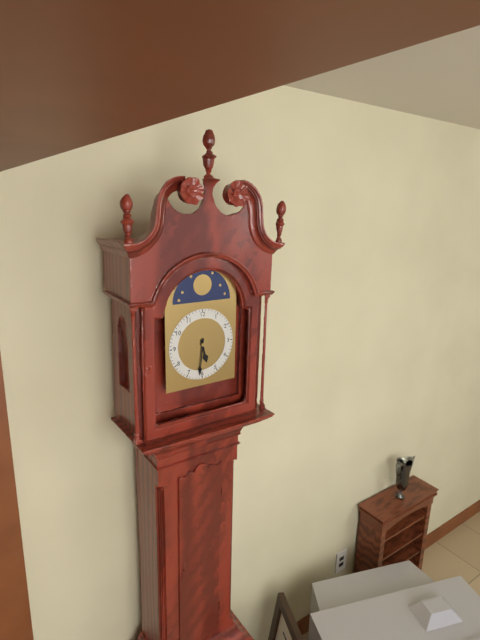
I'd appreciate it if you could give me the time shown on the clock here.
5:31
